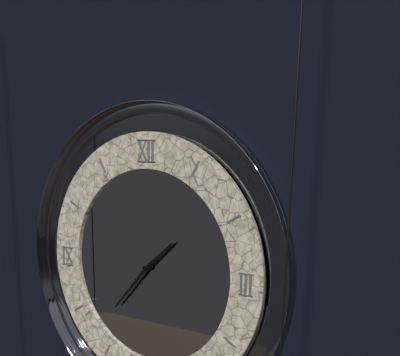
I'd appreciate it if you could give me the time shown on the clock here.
1:37
